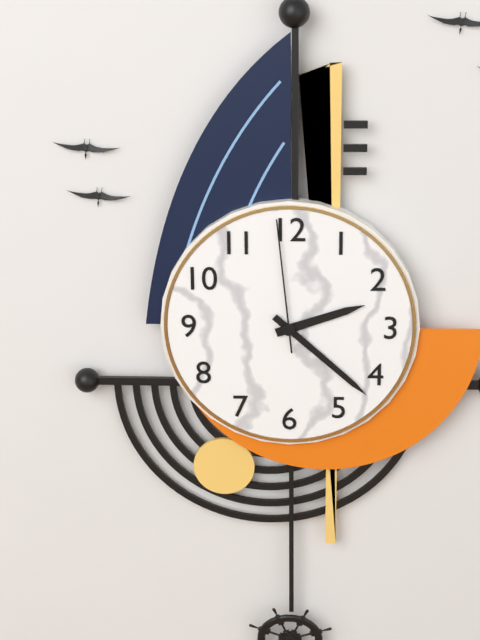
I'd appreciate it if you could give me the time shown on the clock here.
2:22:59
